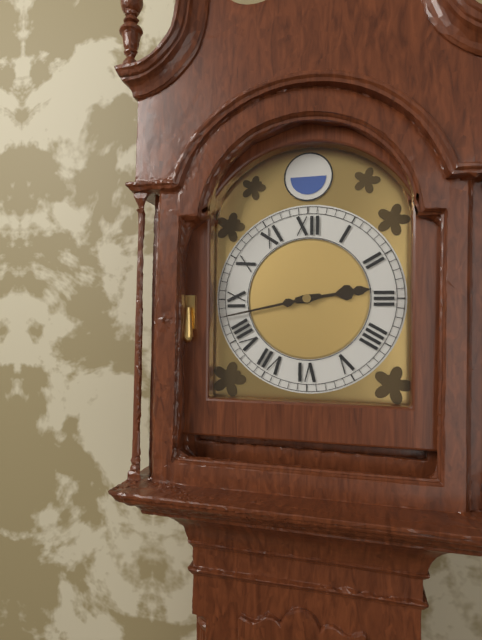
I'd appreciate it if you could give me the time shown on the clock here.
2:43
